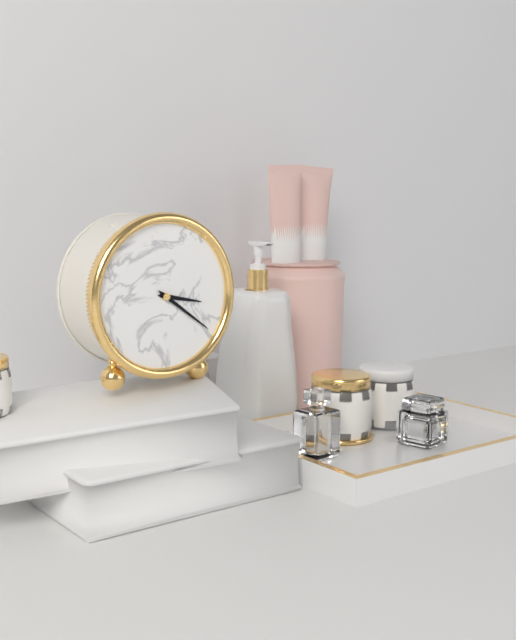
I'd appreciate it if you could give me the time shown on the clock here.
3:21
